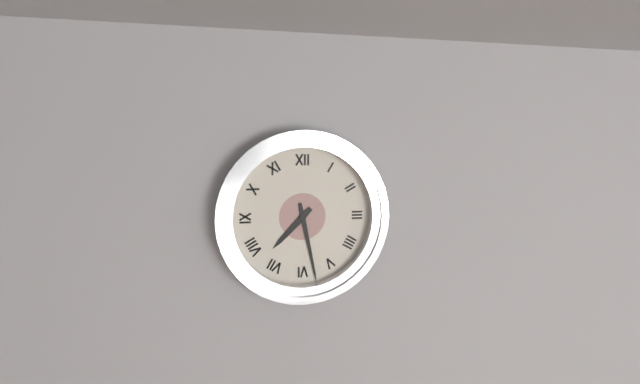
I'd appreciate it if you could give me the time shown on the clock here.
7:28
